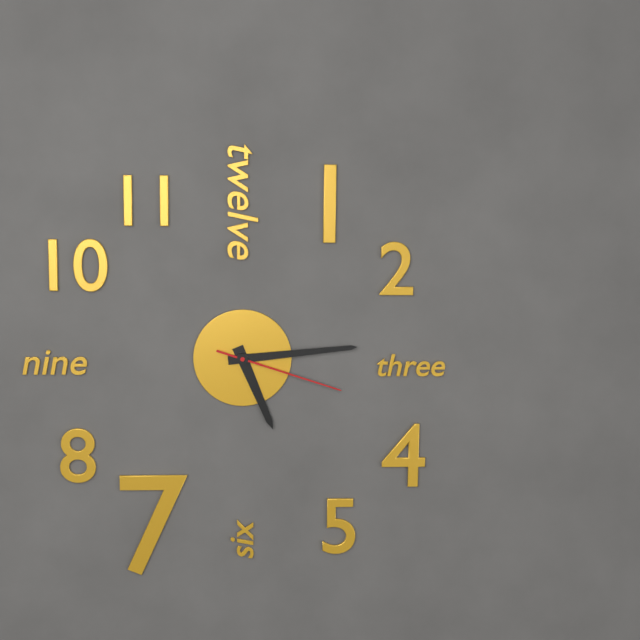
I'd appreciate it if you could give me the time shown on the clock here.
5:14:18
